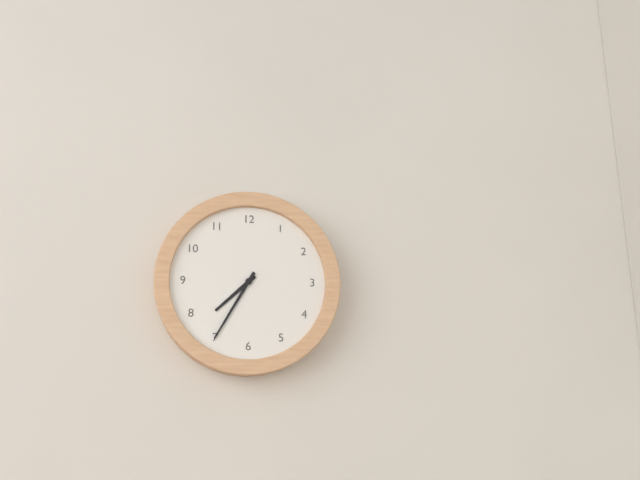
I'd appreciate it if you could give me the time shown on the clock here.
7:35
